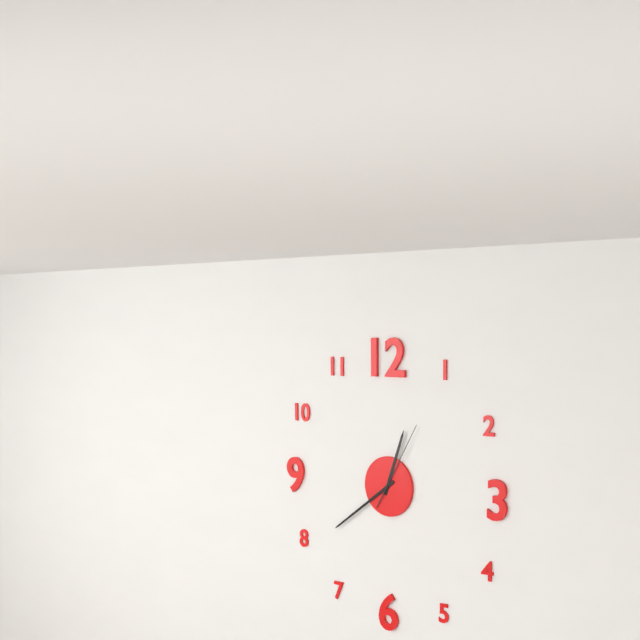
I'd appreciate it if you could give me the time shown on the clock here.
12:39:05
